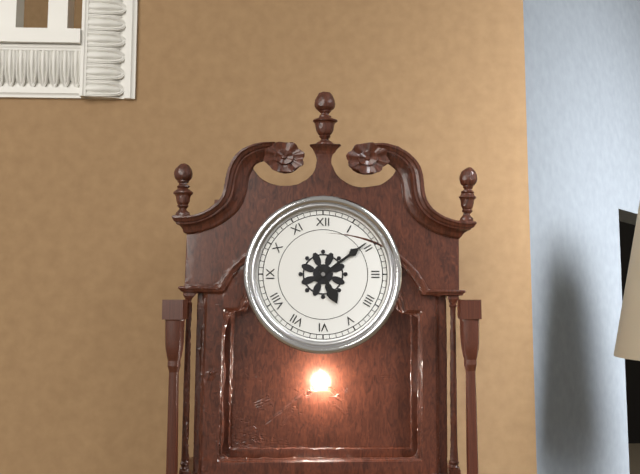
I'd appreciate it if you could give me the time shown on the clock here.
5:09
